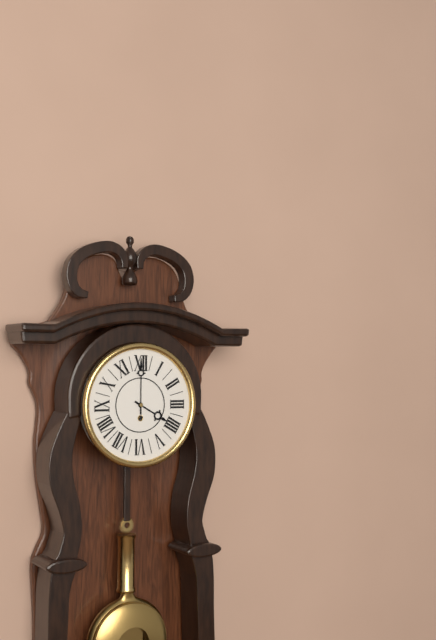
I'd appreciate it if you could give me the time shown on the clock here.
4:00
